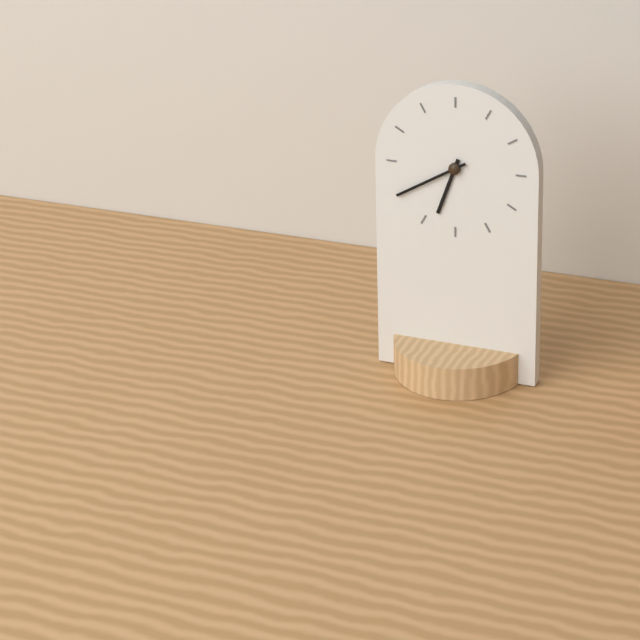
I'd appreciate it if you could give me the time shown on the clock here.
6:40
